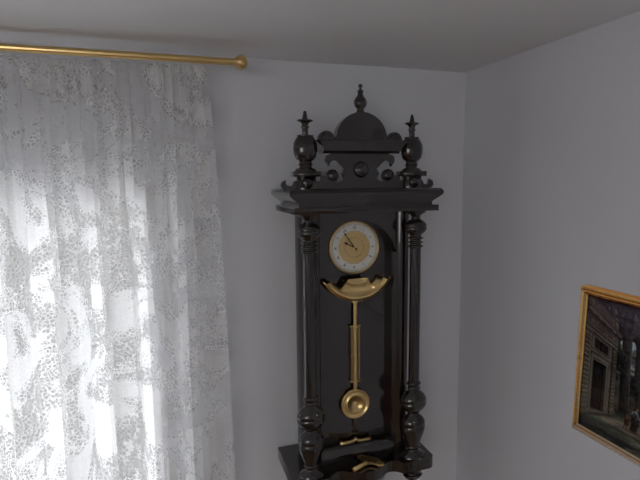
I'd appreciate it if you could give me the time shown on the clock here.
9:54
